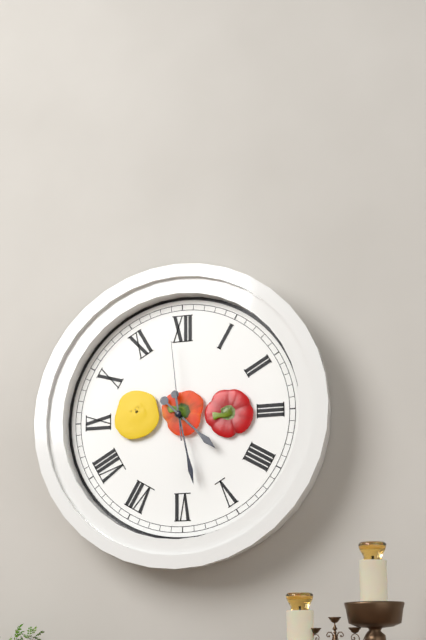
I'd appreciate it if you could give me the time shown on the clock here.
4:28:59
